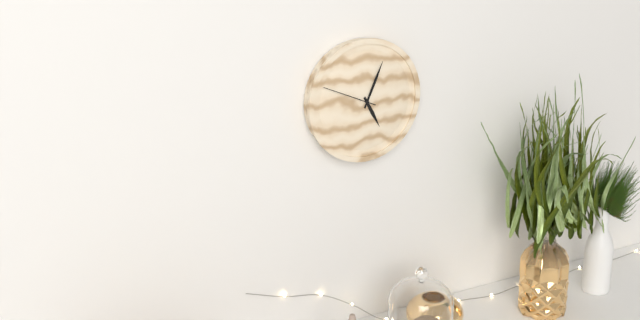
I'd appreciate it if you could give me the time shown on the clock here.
5:04:49
